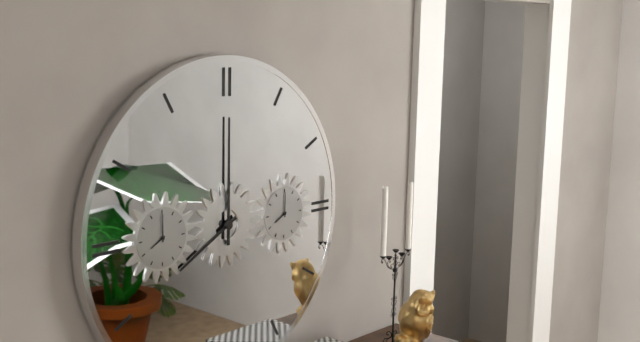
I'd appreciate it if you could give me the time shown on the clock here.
8:00
